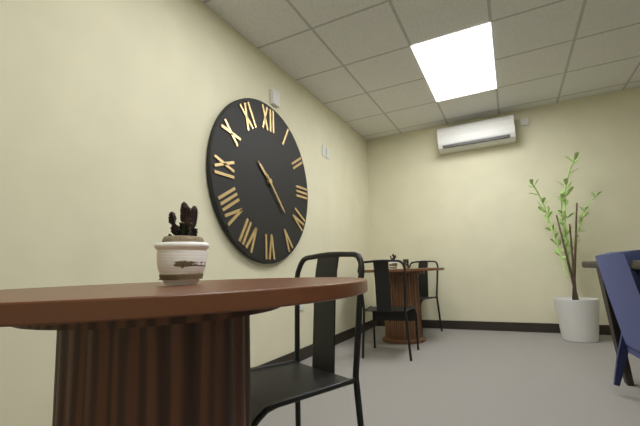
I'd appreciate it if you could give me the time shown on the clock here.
10:23
